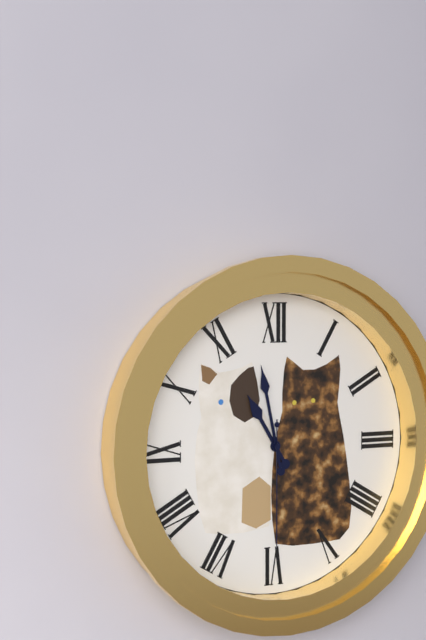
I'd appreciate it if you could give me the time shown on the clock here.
10:58:30
